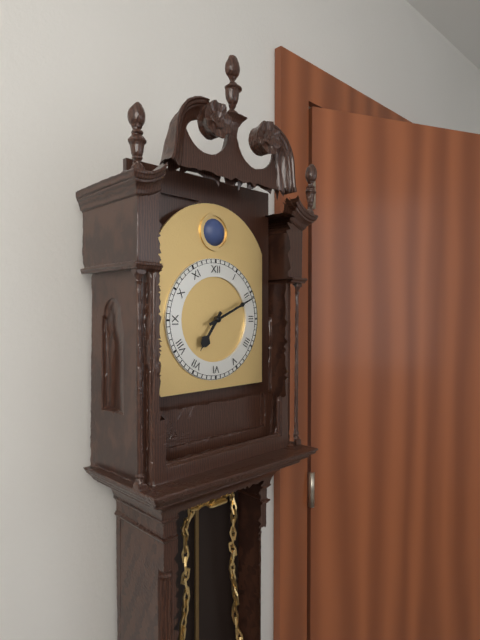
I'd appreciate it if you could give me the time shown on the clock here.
7:11
